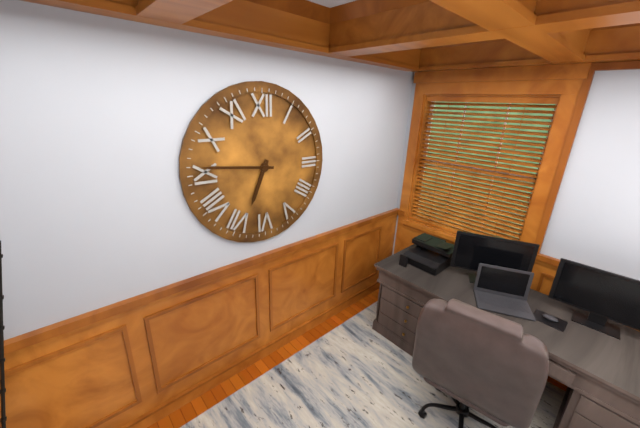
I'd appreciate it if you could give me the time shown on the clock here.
6:46
